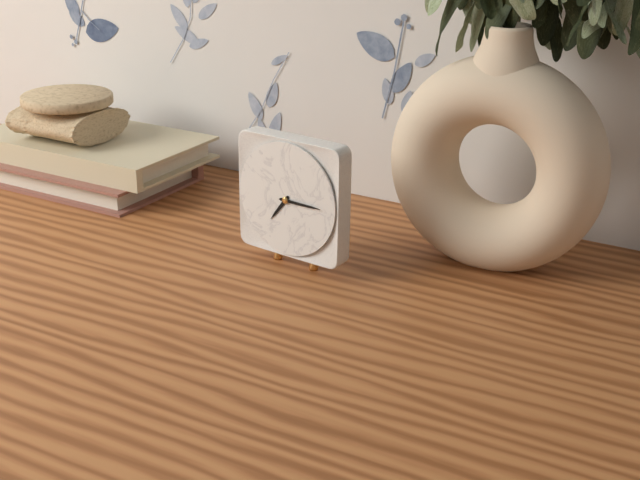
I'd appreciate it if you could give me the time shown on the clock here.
7:15
